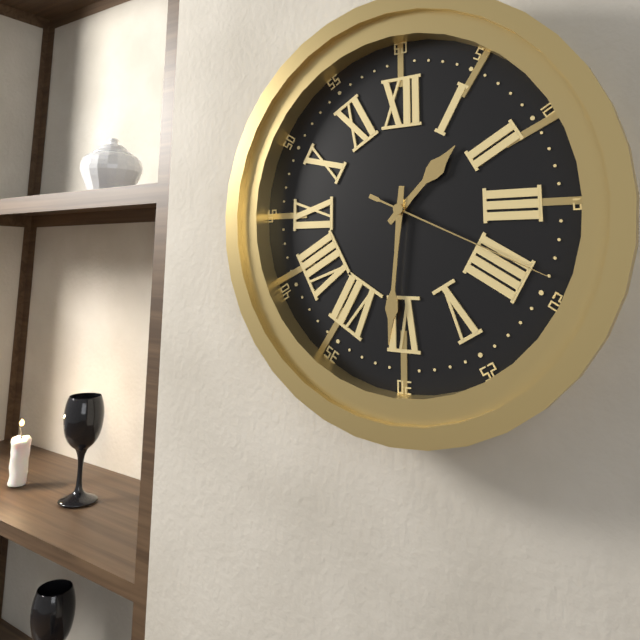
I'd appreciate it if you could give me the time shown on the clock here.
1:31:19
